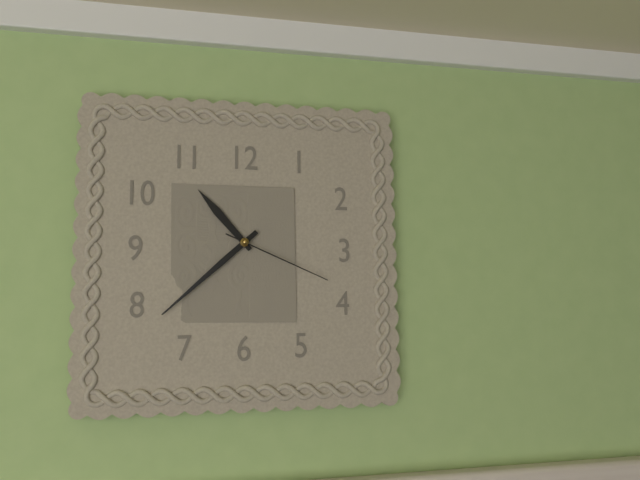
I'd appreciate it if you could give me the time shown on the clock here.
10:38:19
